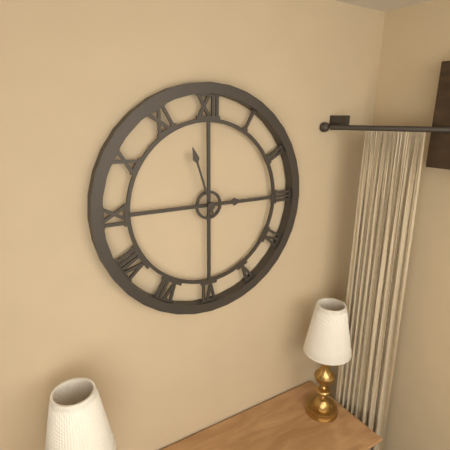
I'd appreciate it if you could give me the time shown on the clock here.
2:57
